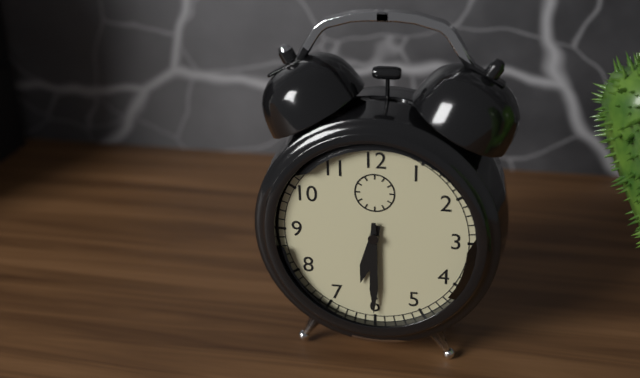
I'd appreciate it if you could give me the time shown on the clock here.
6:30
